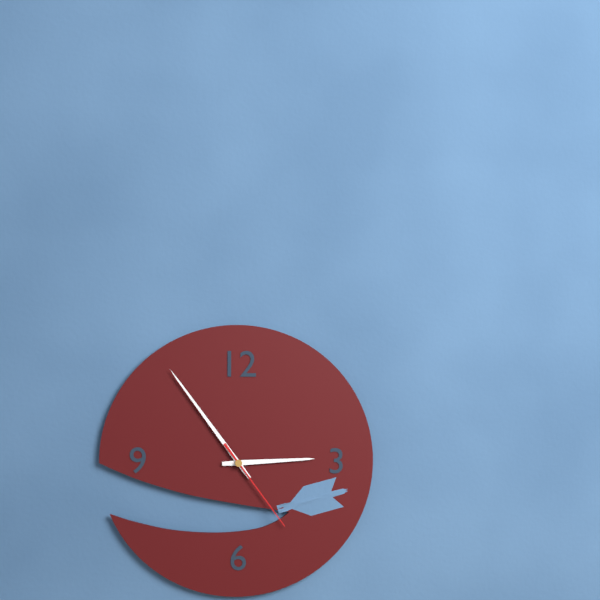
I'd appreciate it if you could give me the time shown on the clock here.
2:54:24
